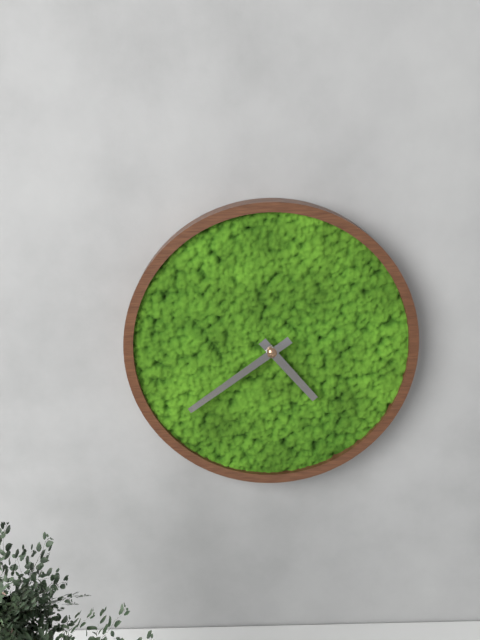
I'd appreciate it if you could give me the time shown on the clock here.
4:39
